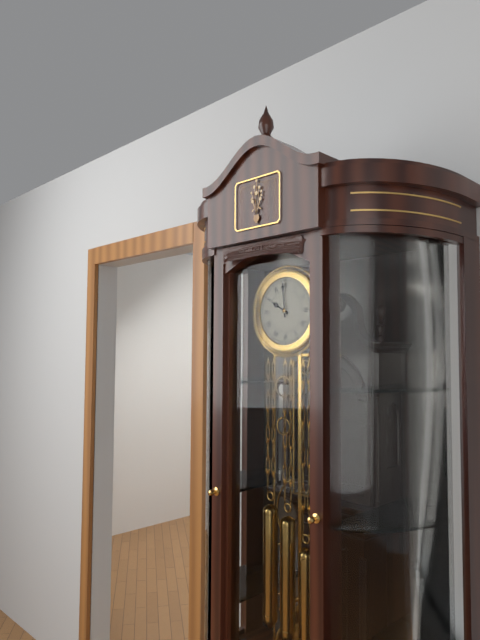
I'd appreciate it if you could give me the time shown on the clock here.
9:59
